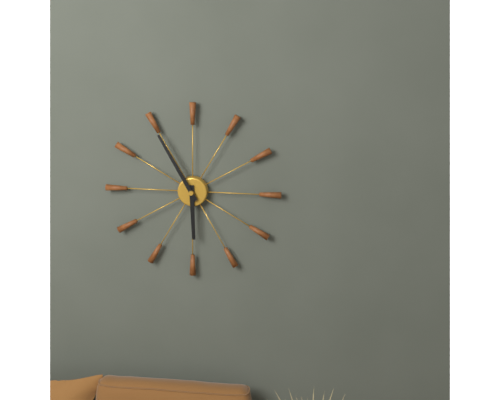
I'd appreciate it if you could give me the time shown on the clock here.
5:55
